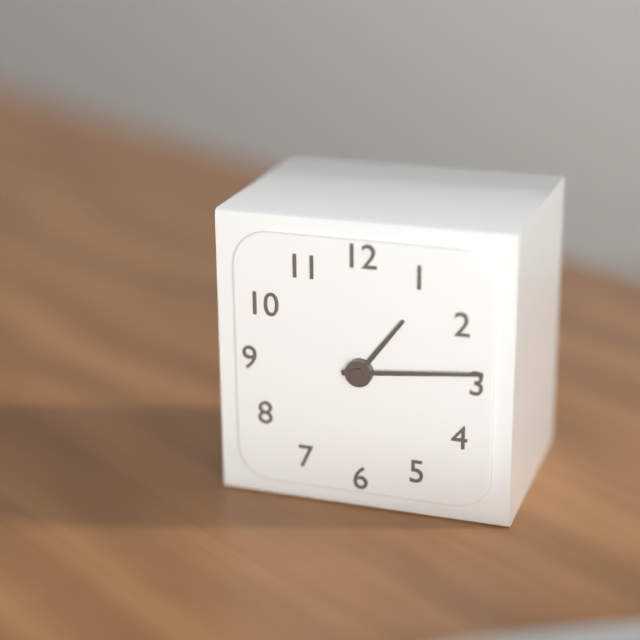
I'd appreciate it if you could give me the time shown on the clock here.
1:14
